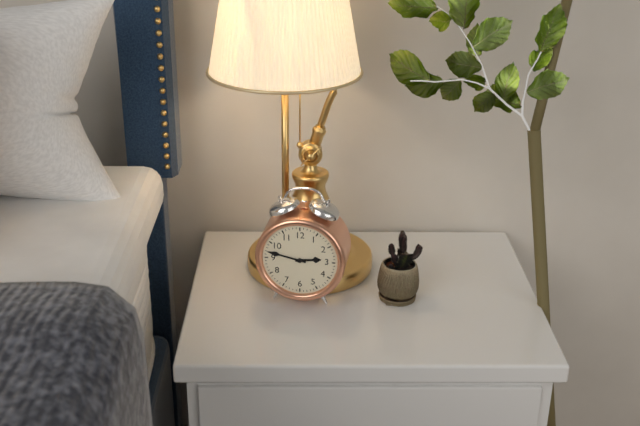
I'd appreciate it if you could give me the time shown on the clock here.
2:47
